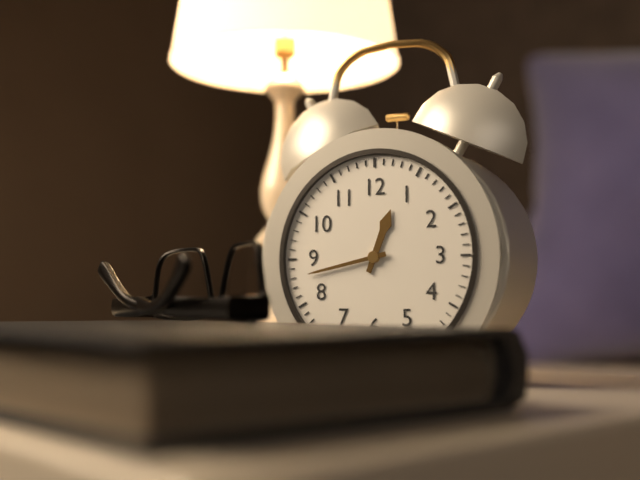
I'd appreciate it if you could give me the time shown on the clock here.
12:43
